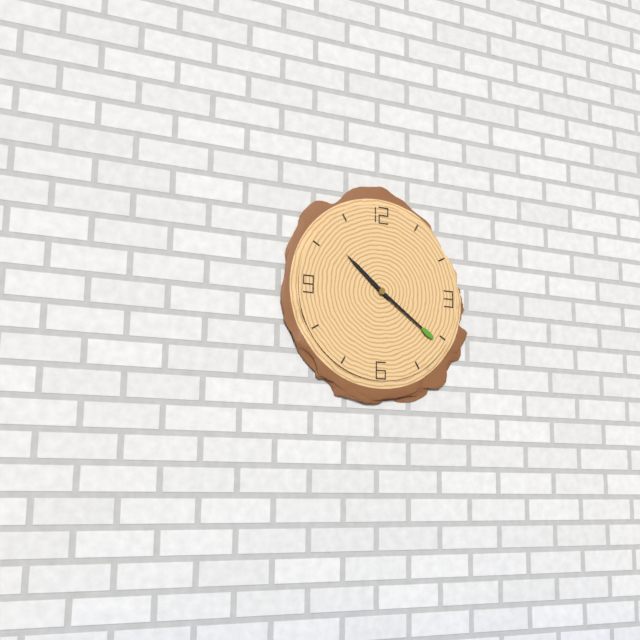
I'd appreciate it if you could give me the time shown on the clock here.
10:21
